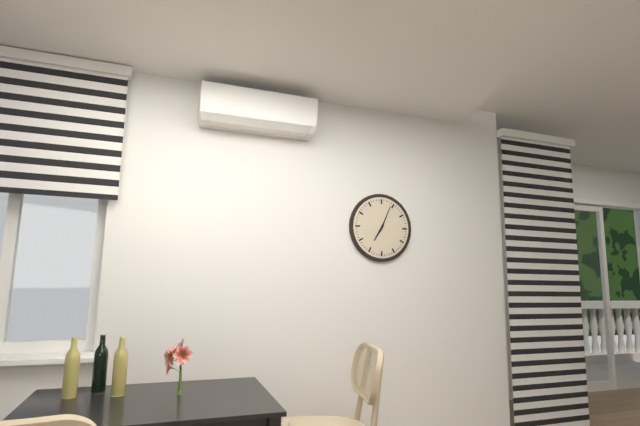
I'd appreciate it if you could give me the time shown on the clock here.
7:04
